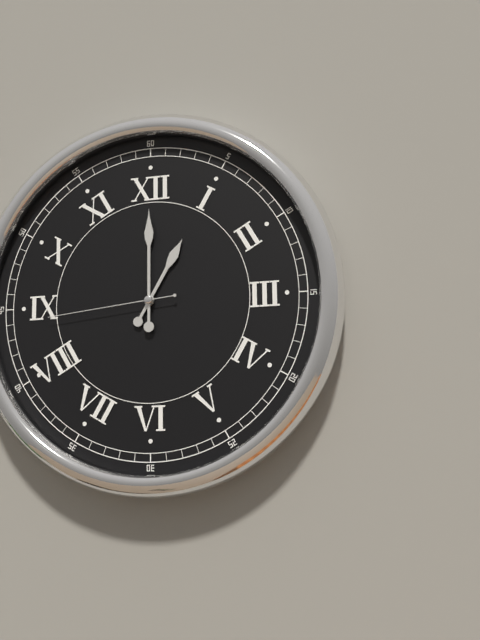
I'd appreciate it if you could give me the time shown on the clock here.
1:00:44
